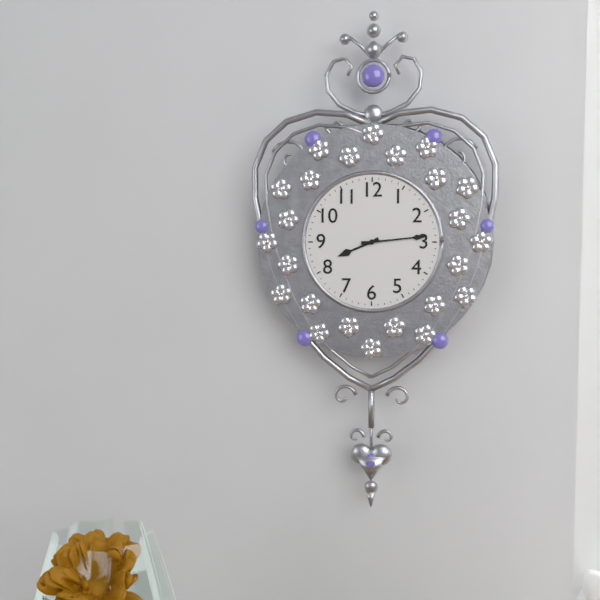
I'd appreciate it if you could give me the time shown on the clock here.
8:14
